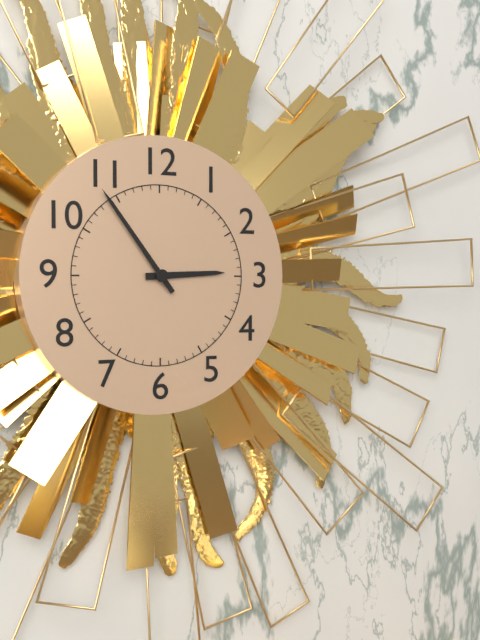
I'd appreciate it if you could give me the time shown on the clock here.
2:54
